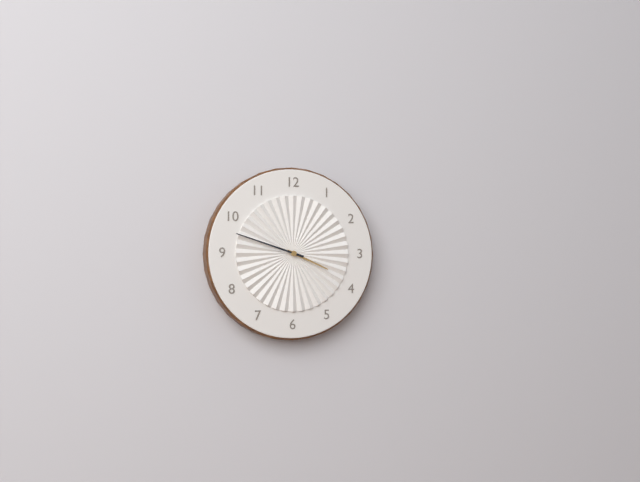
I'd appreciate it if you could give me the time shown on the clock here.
3:48
